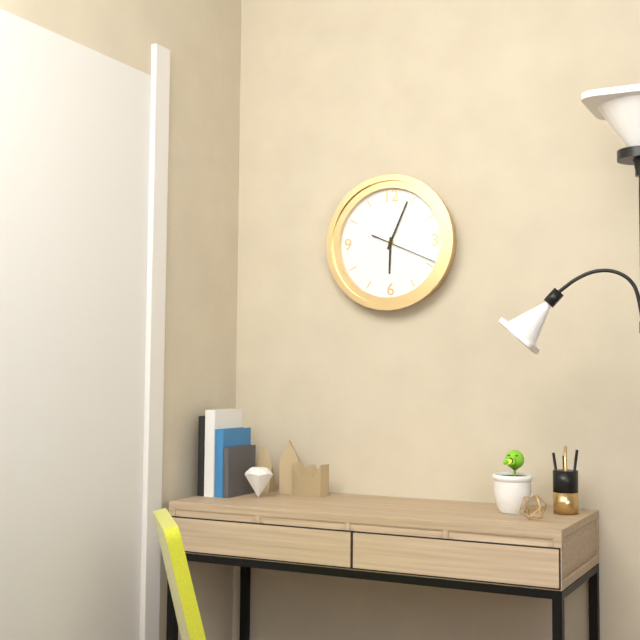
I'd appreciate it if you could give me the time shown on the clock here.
6:04:19
